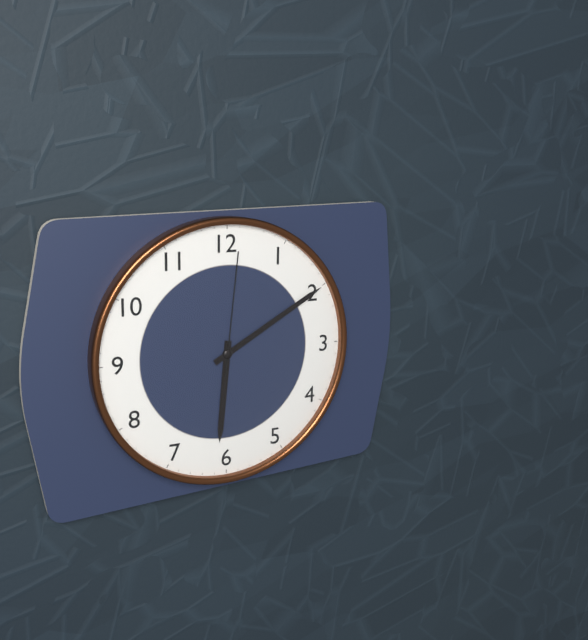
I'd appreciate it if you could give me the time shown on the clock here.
6:10:01
